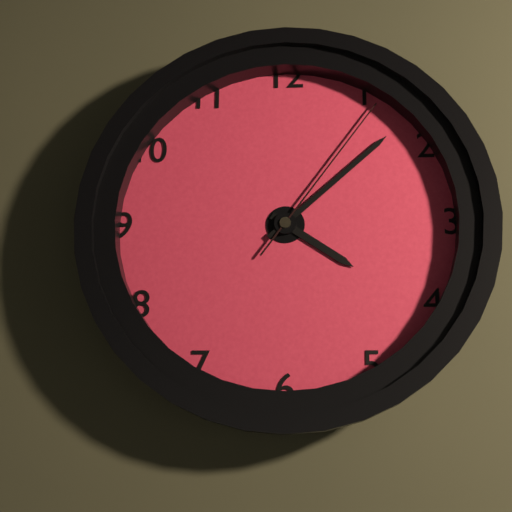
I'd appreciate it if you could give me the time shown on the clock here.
4:08:06
